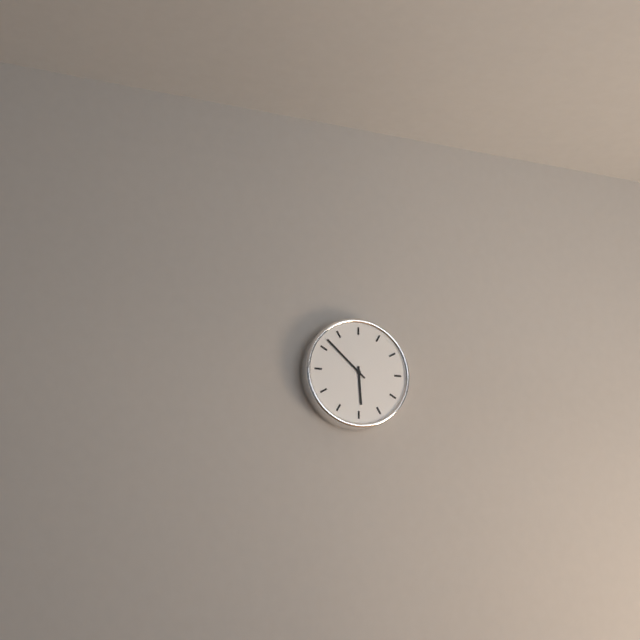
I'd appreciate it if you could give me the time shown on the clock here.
5:52
